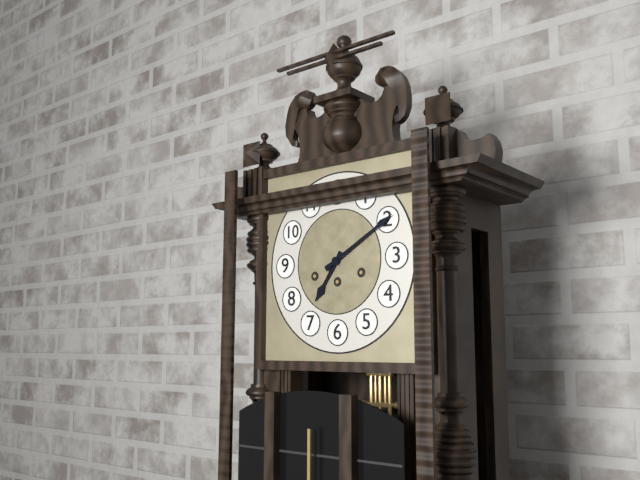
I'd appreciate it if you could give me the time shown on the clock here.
7:10
